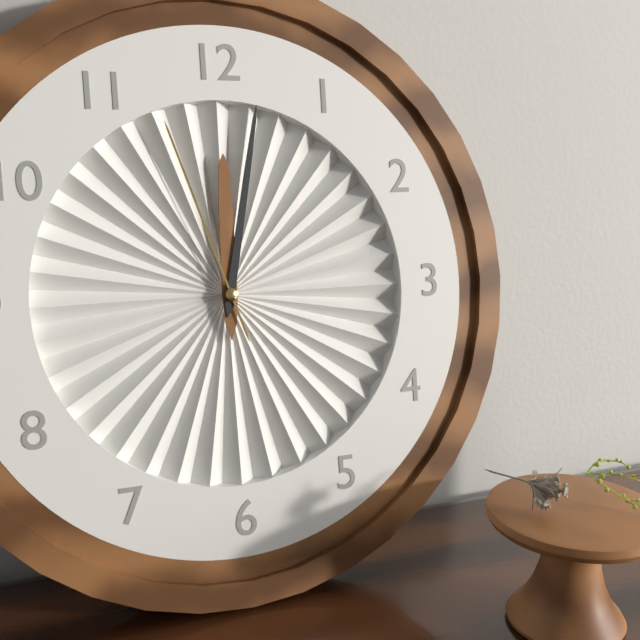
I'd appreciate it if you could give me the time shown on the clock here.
12:02:57
